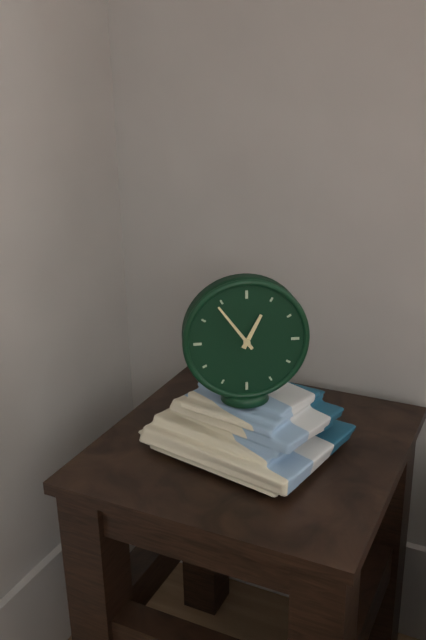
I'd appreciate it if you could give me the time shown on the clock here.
12:54
